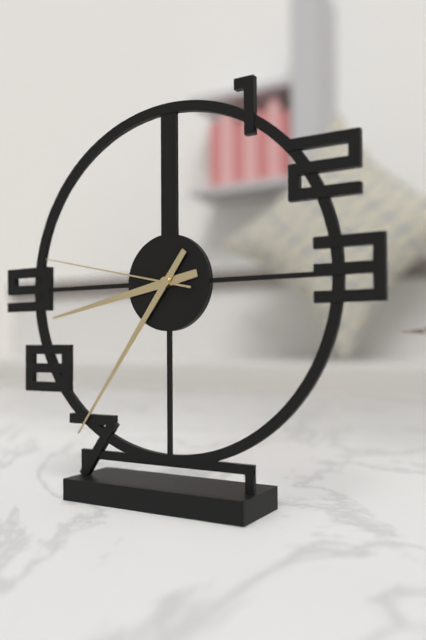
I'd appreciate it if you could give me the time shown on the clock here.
8:36:47
